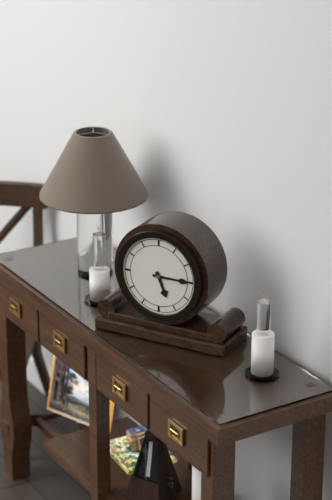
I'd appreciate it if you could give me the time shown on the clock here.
5:15
